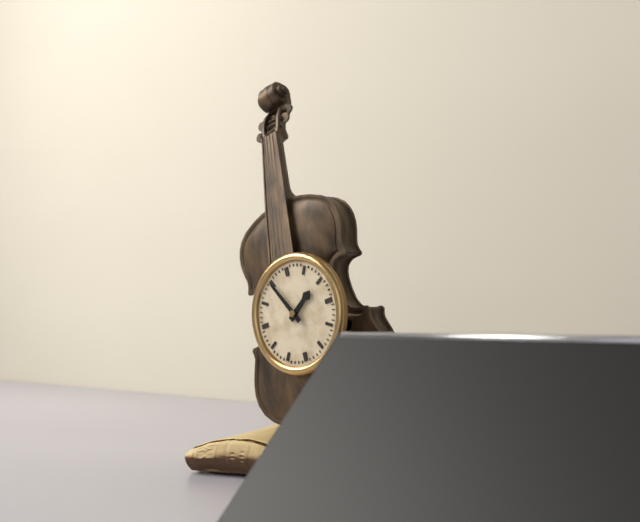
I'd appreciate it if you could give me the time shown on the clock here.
1:55
